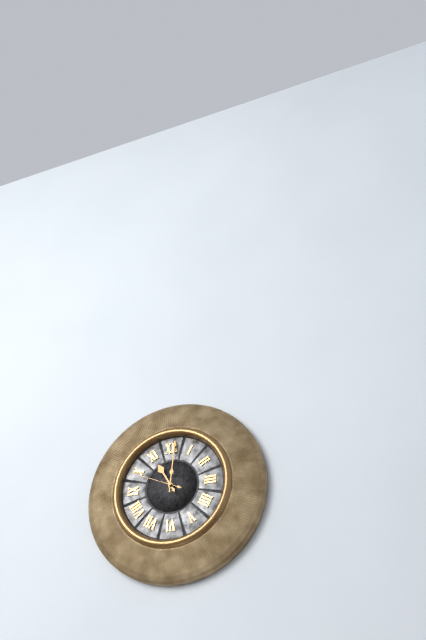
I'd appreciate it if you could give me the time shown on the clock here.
11:01
